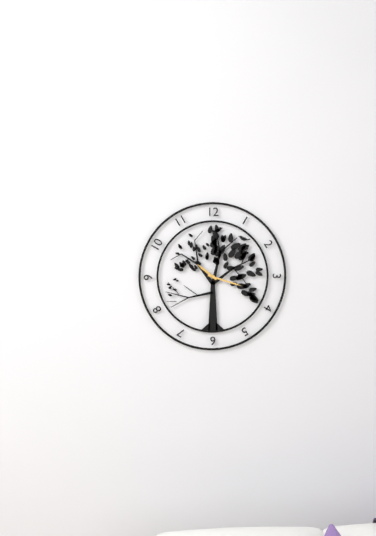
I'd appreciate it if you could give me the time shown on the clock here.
10:18
